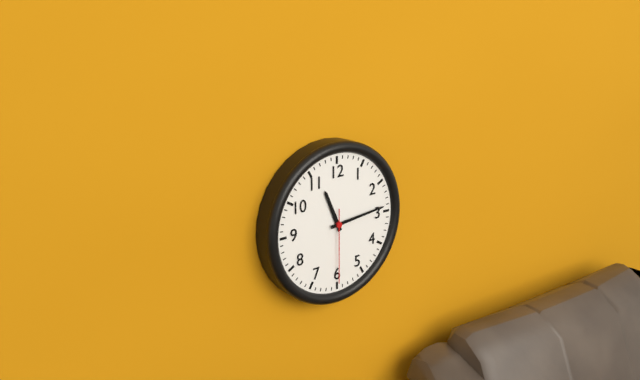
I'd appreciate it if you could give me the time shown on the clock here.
11:14:30
